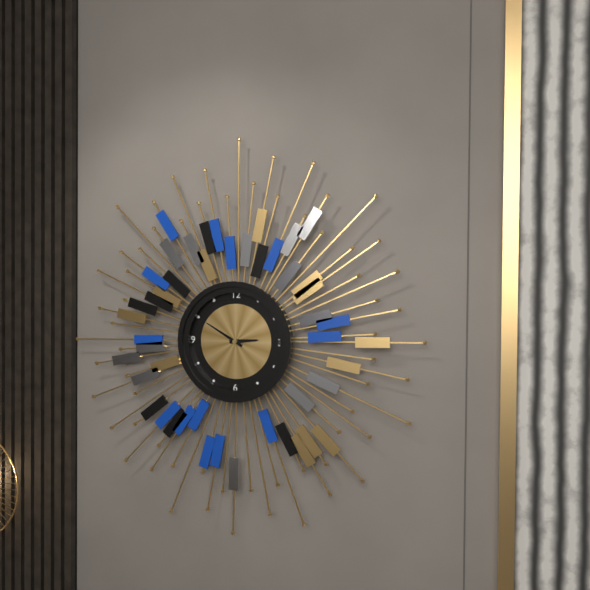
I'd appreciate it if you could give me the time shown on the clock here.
2:50
